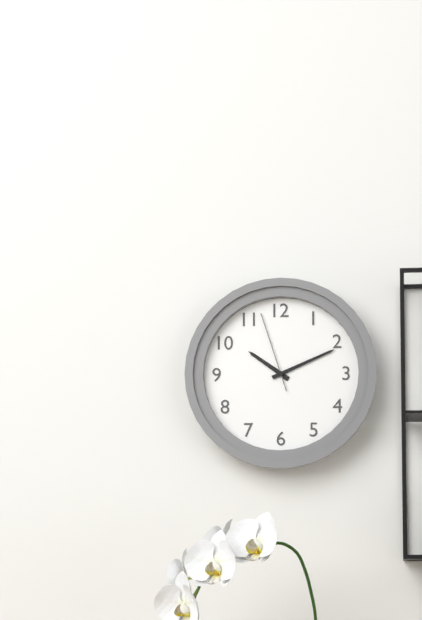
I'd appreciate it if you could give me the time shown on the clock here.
10:11:57
